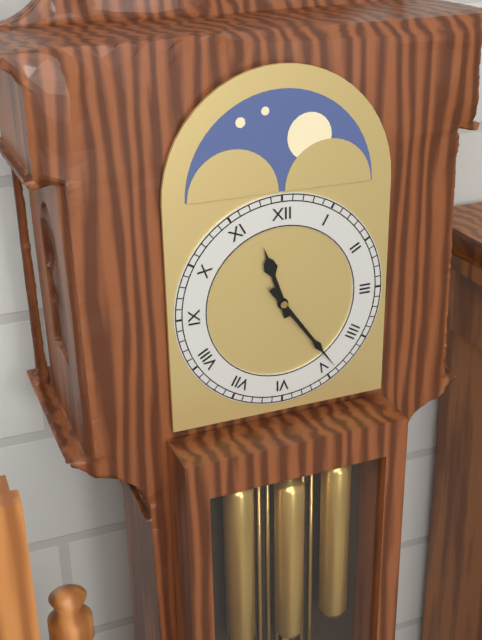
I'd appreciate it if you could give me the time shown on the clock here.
11:24
